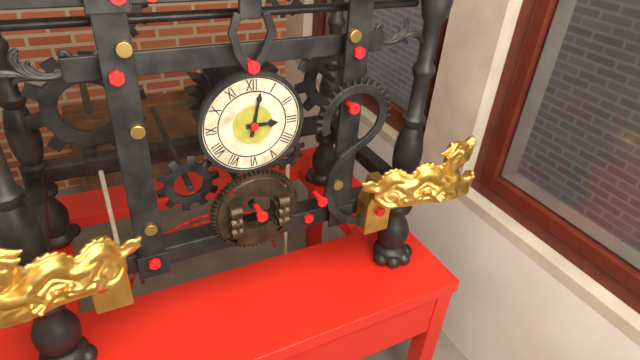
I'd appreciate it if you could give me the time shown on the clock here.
3:02
